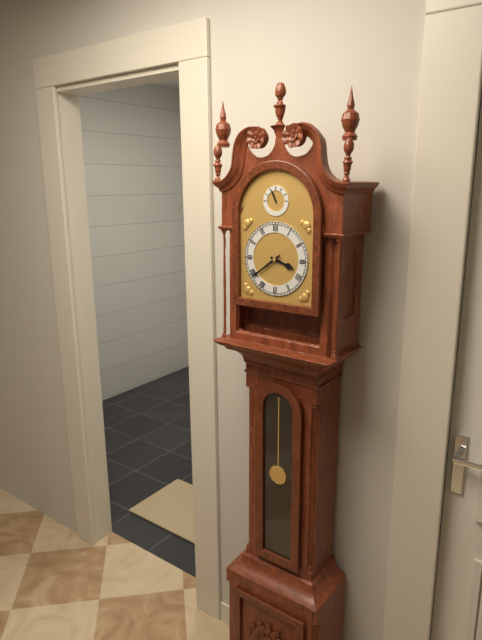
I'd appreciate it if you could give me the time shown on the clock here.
3:39
